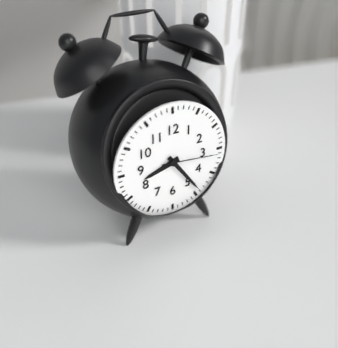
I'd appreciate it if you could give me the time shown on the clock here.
8:24:16
